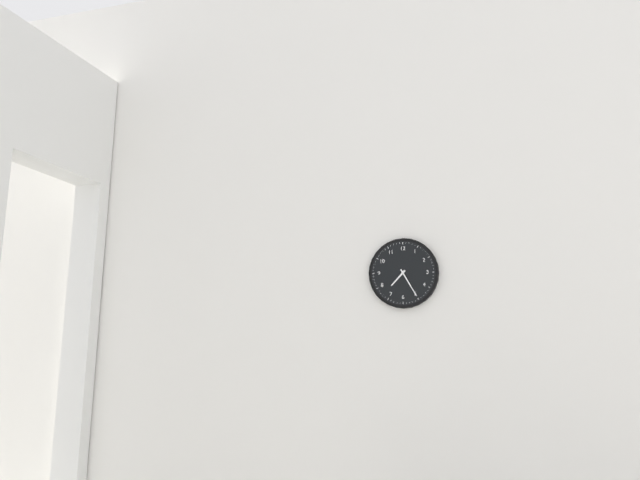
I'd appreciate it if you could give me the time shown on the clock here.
7:25
